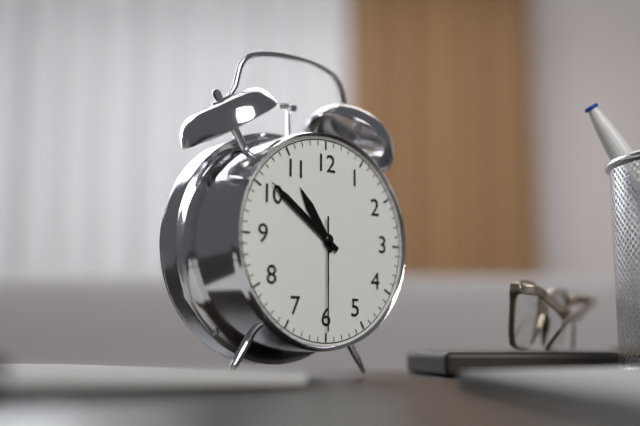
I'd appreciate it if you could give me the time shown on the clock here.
10:51:30
